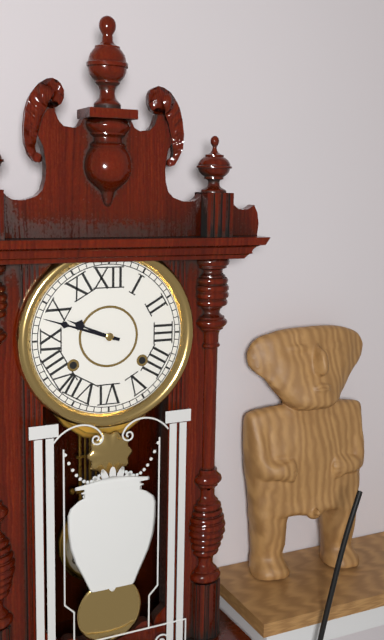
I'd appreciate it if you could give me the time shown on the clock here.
9:48
